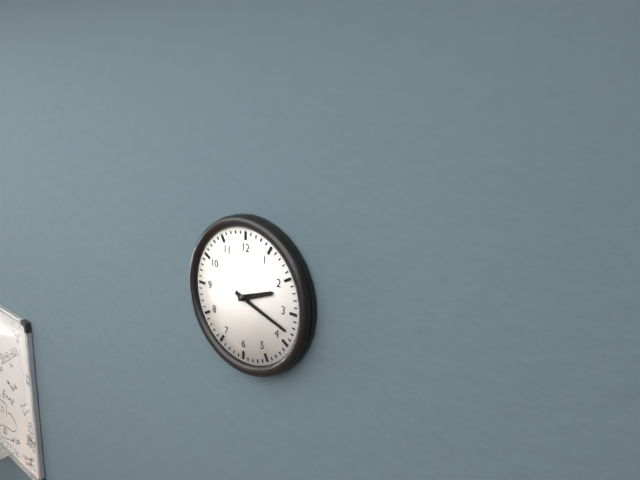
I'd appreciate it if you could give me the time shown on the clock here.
2:18
